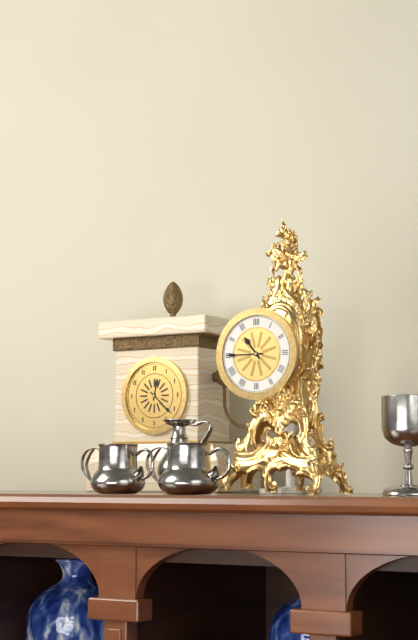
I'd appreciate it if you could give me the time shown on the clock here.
10:45
